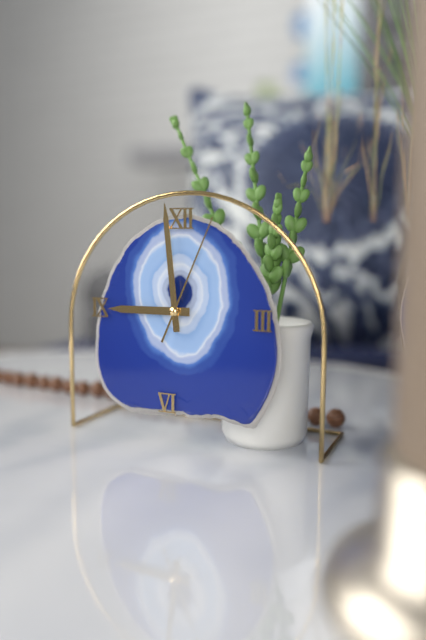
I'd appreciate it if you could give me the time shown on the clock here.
8:59:04
